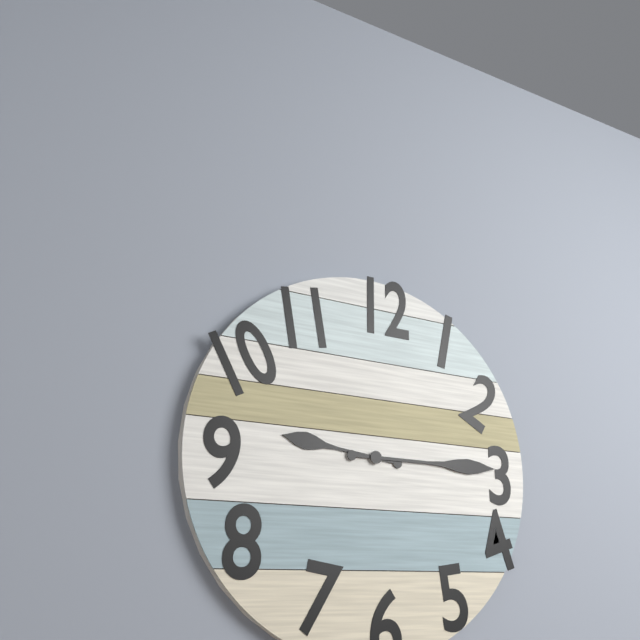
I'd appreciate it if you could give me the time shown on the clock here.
9:15
